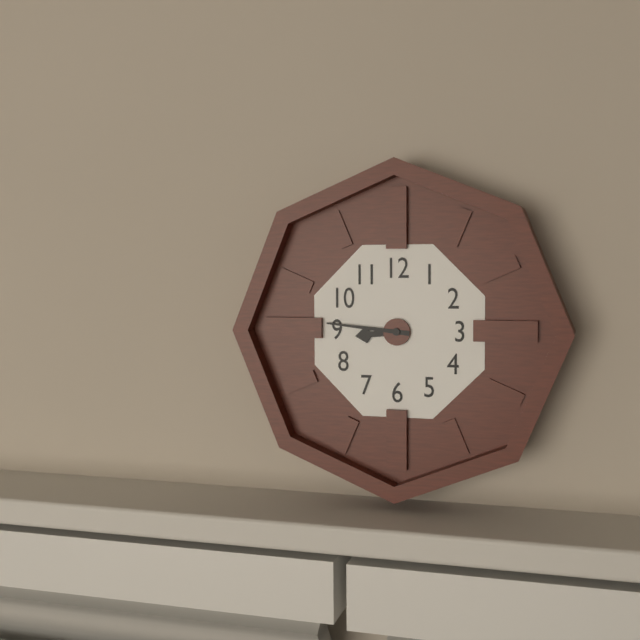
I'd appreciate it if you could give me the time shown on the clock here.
8:46
